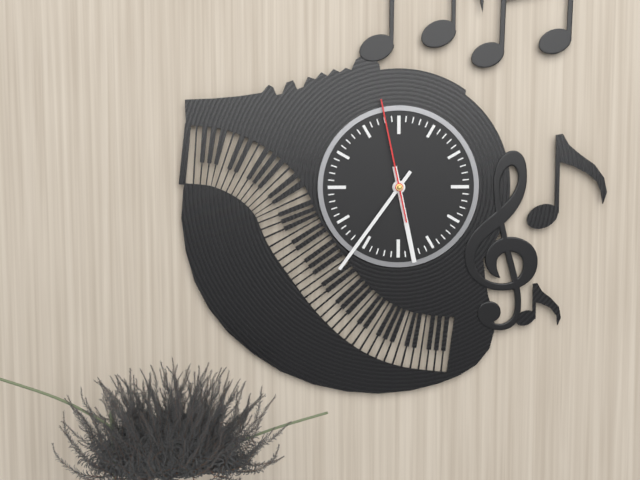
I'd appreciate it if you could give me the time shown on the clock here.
5:36:58
